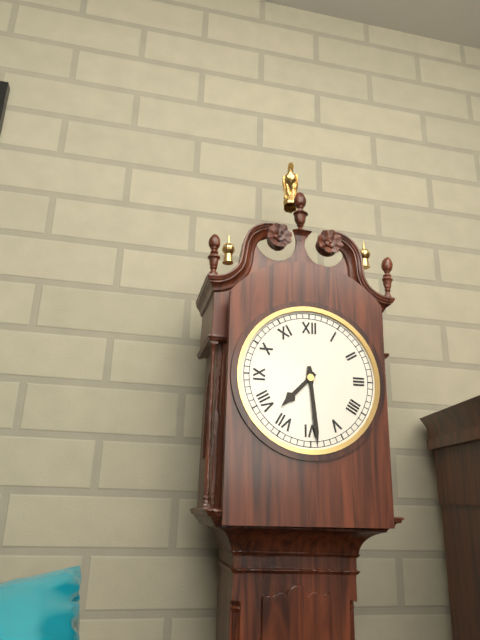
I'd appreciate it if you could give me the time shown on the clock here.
7:29
